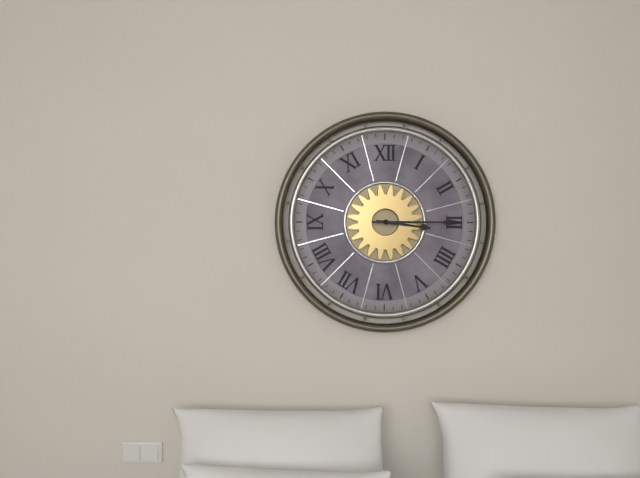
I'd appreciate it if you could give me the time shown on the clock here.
3:15
